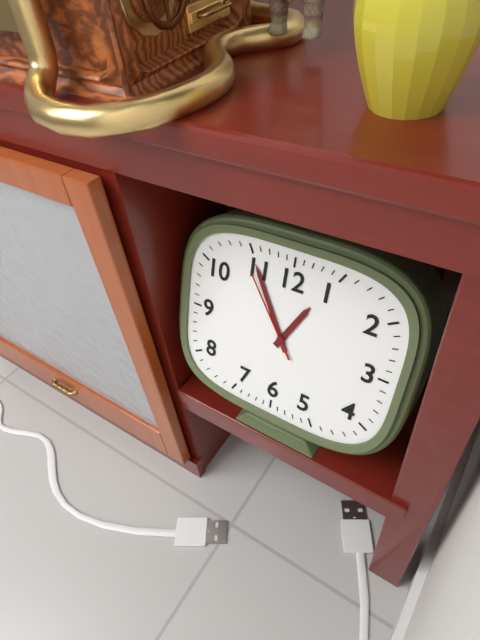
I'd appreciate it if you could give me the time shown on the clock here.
12:55:54
